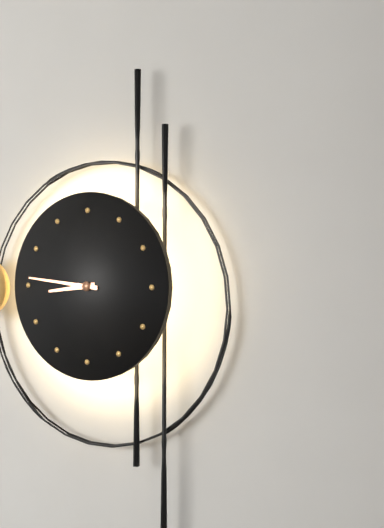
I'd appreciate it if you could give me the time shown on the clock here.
8:46
